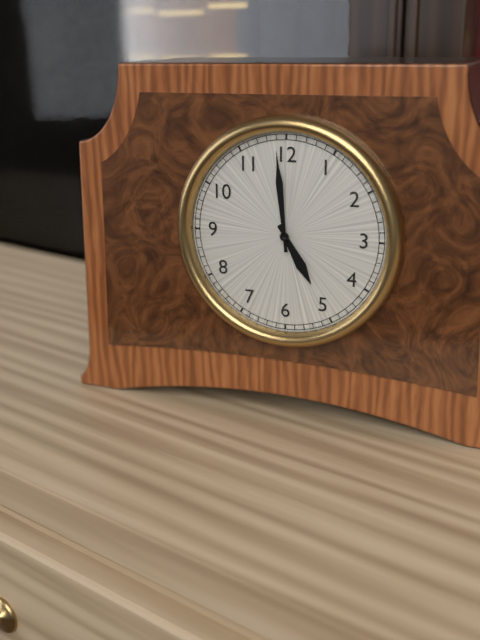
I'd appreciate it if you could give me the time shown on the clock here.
4:59
